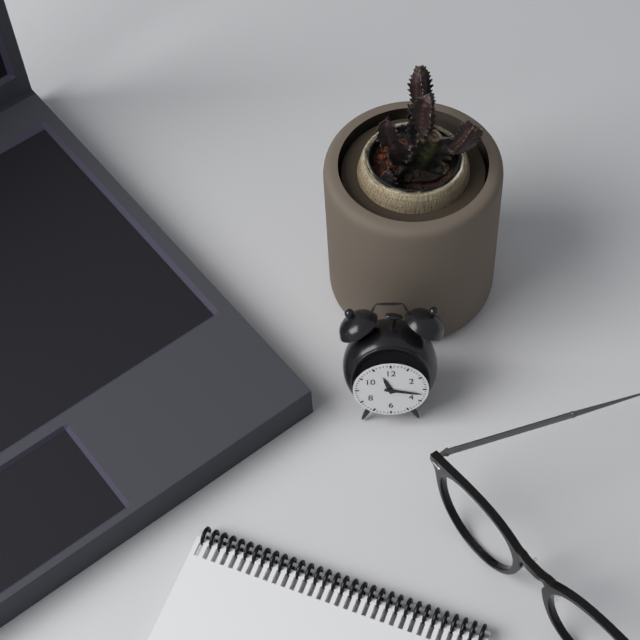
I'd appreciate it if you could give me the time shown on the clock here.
11:17
